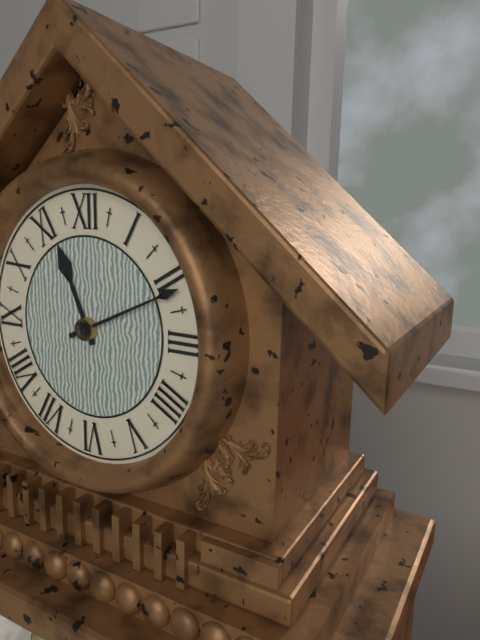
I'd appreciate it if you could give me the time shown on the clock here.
11:11
